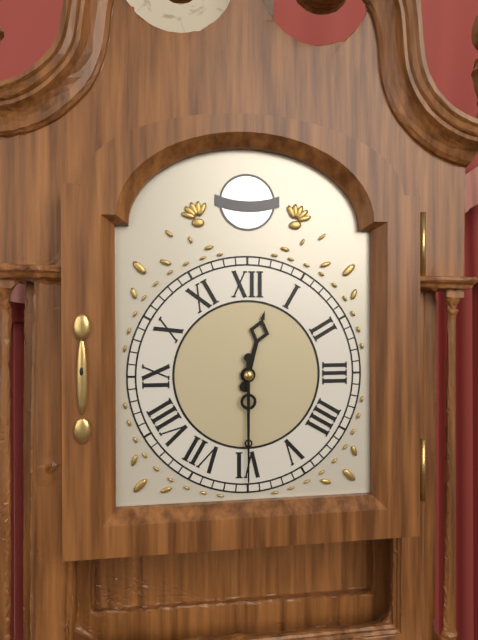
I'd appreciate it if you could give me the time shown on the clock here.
12:30
